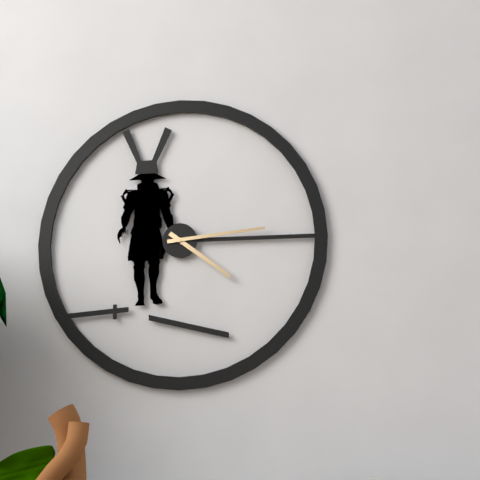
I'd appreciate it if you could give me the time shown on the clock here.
4:14
